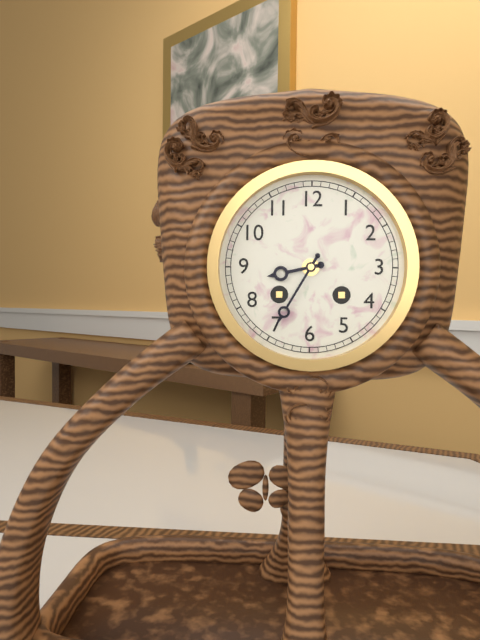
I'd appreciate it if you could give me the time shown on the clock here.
8:35
